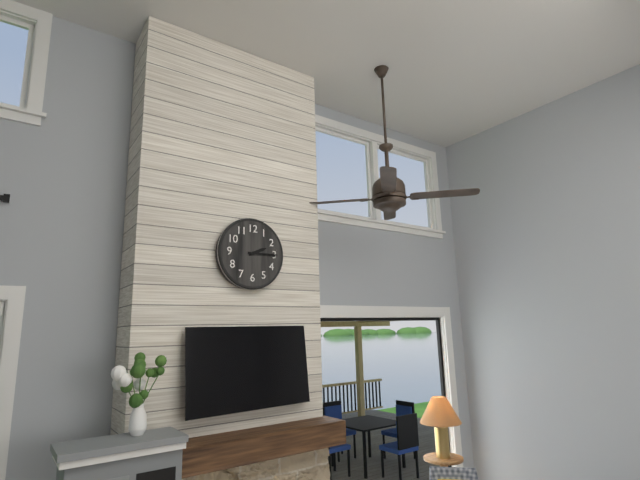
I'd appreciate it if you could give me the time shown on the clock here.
2:15
